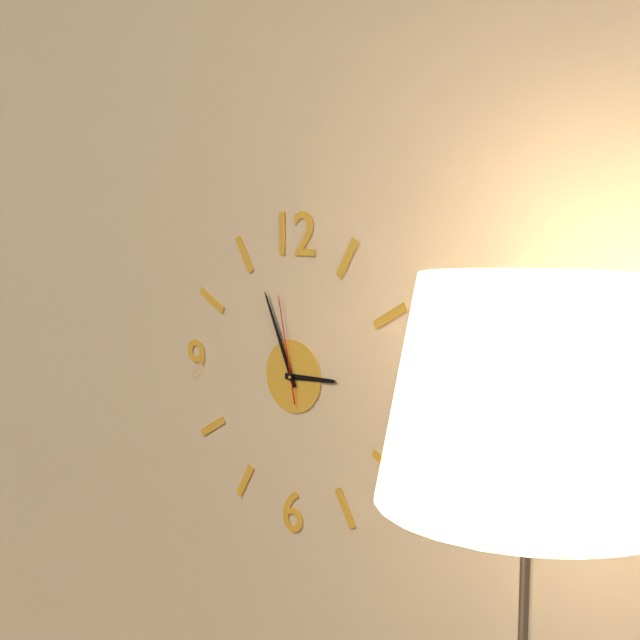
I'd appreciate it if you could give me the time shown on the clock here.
2:56:58
